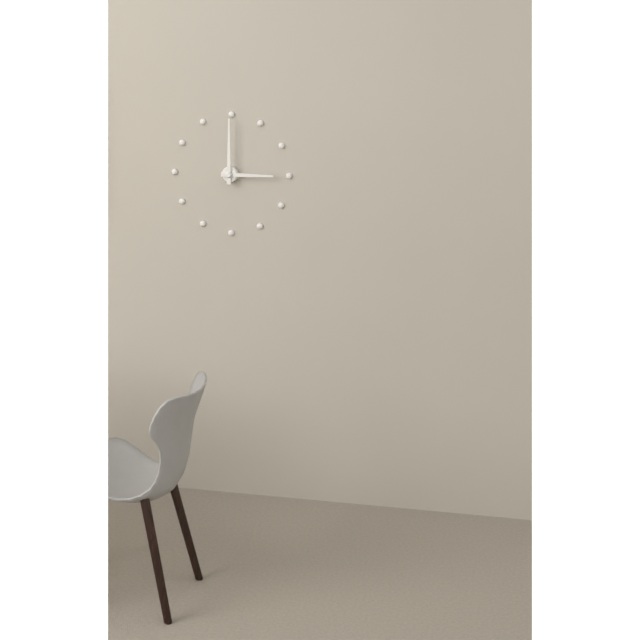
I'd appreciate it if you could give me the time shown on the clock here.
3:00
